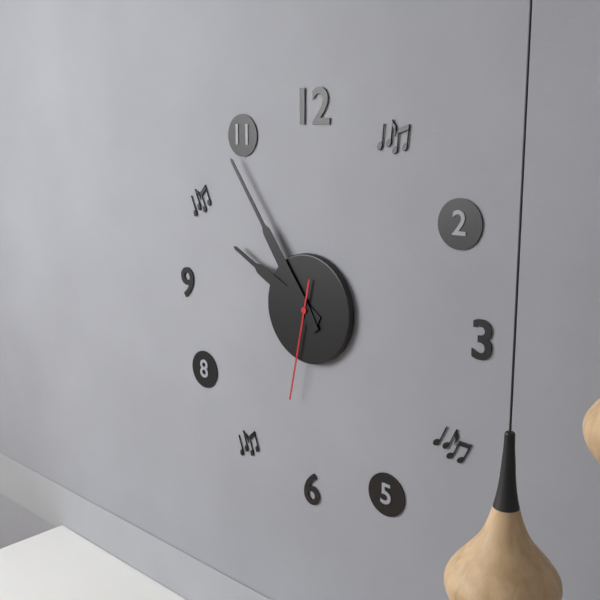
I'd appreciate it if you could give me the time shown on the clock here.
9:54:32
